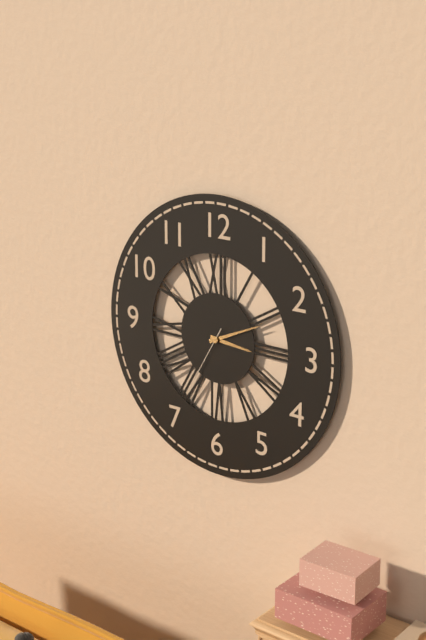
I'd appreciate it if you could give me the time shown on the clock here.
3:11:35
